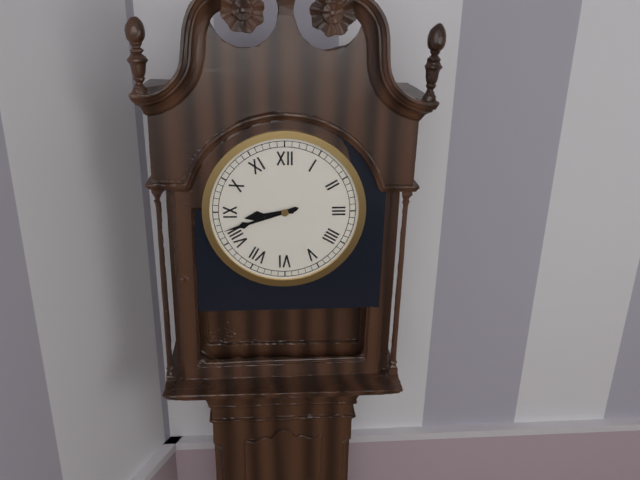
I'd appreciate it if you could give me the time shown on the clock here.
8:42
